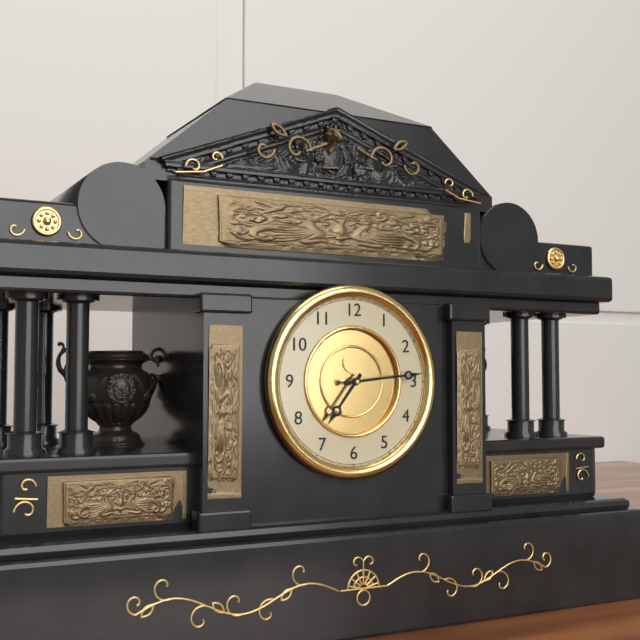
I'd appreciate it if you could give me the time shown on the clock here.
7:14
